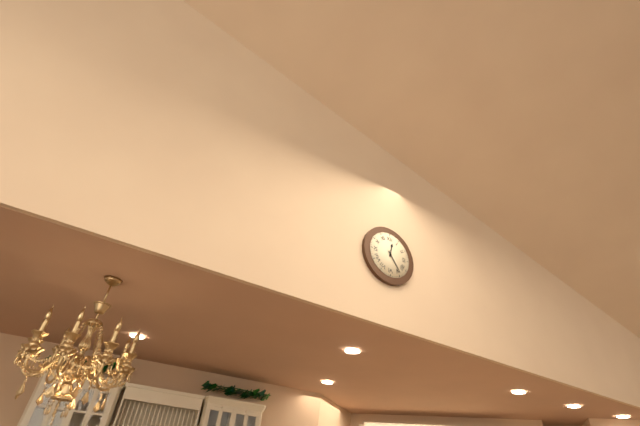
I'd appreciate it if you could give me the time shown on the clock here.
12:24
